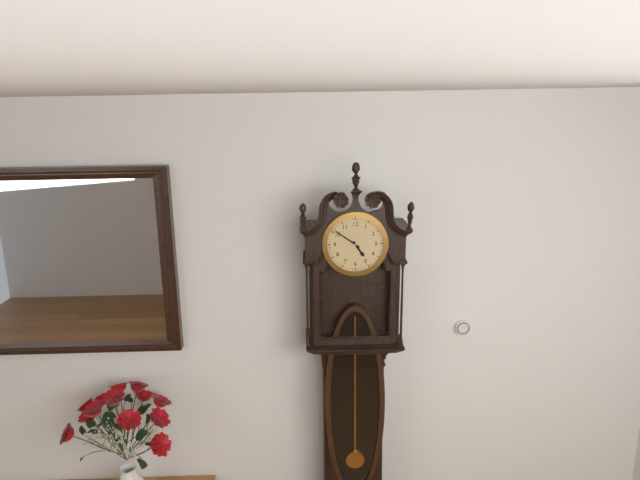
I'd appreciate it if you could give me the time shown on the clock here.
4:51
